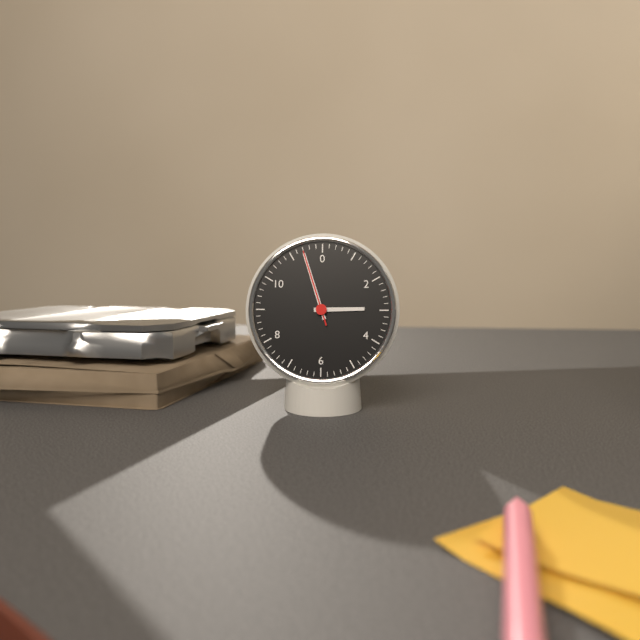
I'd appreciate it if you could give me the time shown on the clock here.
2:57:57
